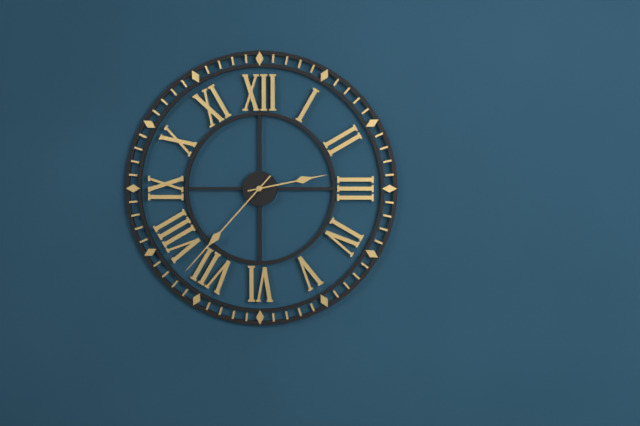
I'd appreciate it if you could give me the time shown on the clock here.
2:37
